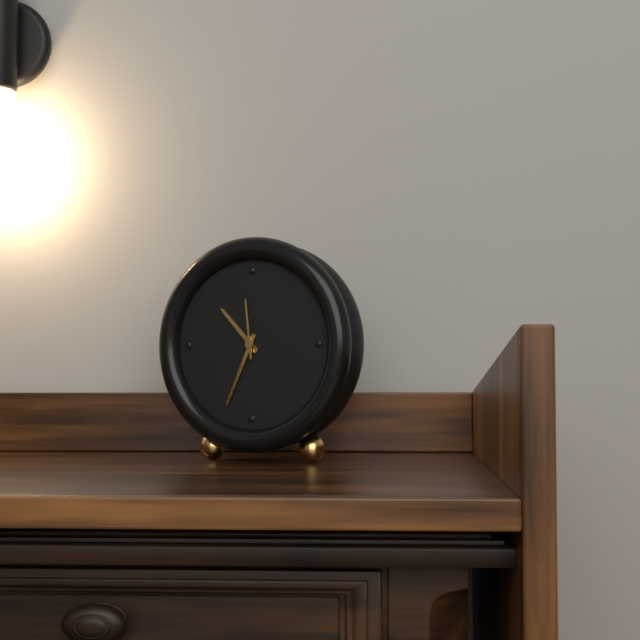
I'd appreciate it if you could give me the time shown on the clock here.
10:34:59
